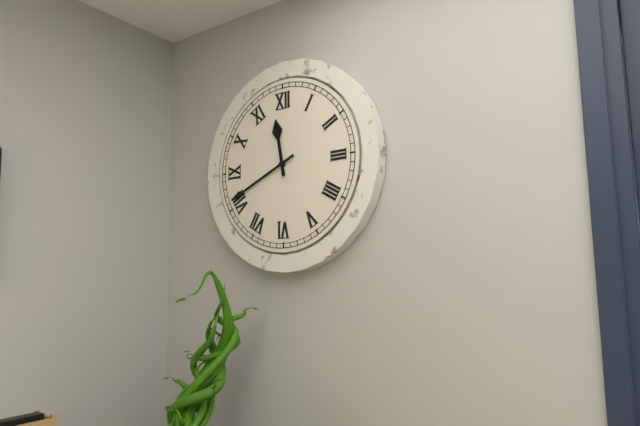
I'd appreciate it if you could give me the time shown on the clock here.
11:41
